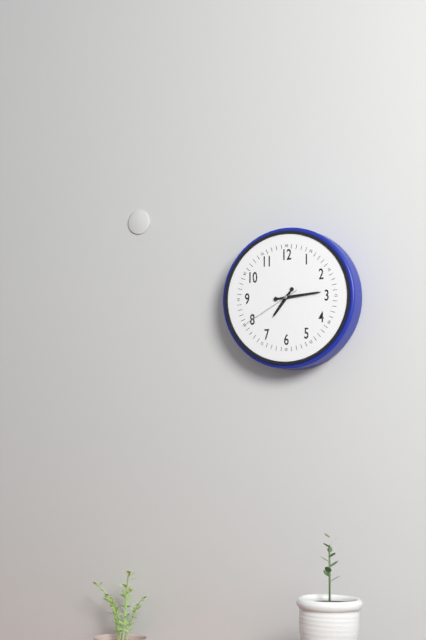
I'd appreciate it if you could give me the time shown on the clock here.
7:14:40
